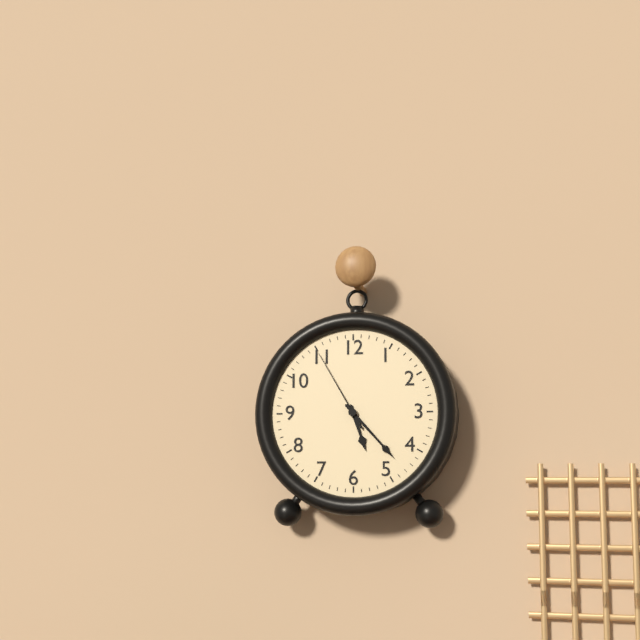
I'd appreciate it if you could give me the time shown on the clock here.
5:23:55
